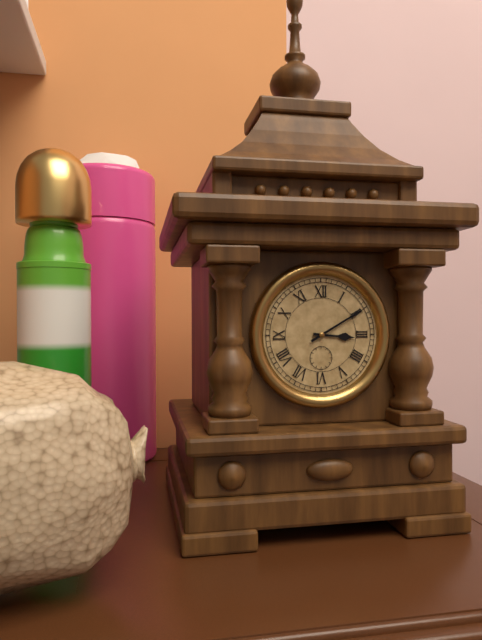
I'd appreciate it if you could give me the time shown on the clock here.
3:10
